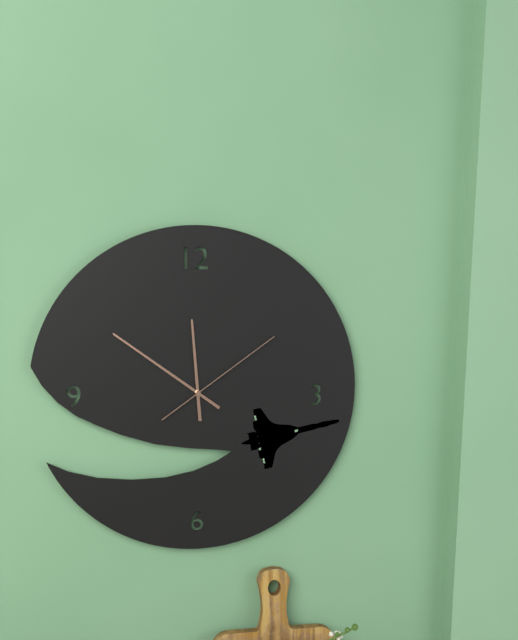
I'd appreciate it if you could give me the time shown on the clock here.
11:51:09
